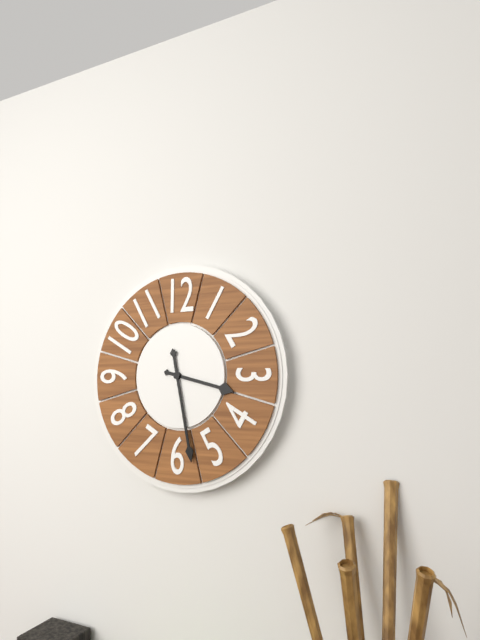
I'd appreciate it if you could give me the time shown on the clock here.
3:28
